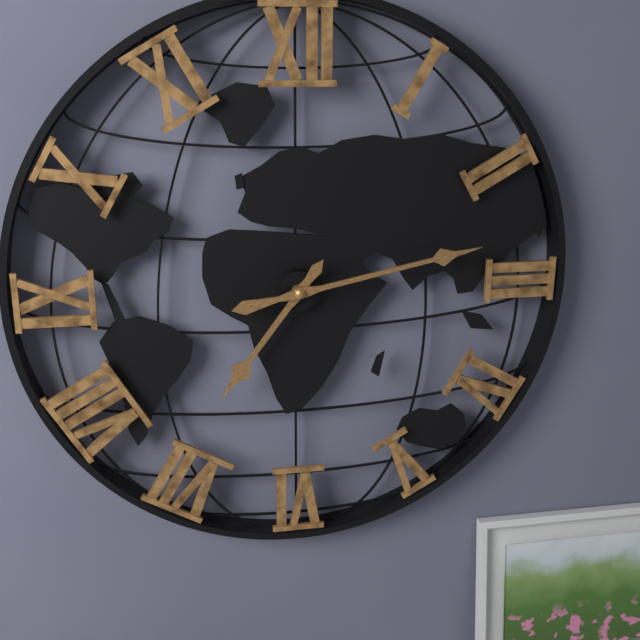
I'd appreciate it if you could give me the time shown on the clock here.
7:13
